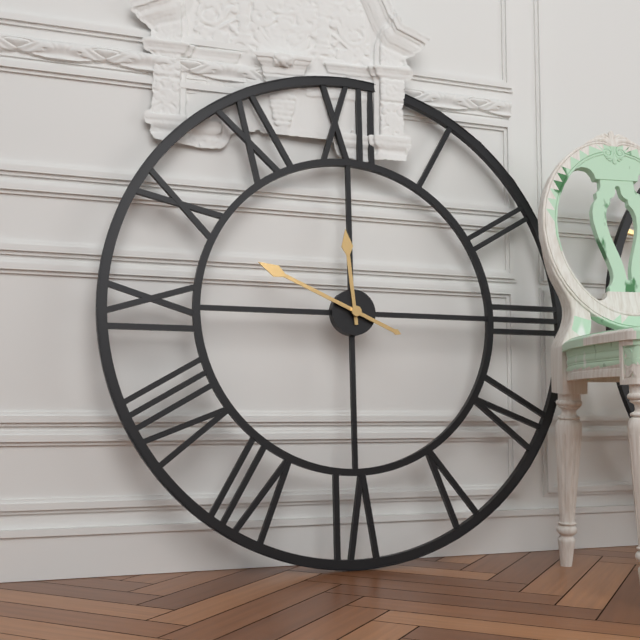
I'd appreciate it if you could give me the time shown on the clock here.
11:49
